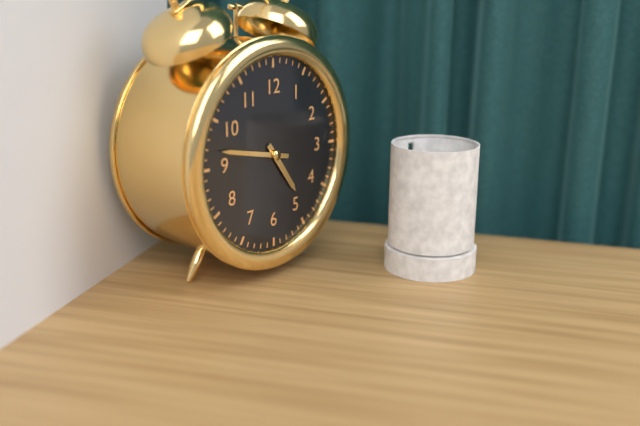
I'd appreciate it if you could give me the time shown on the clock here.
4:47
